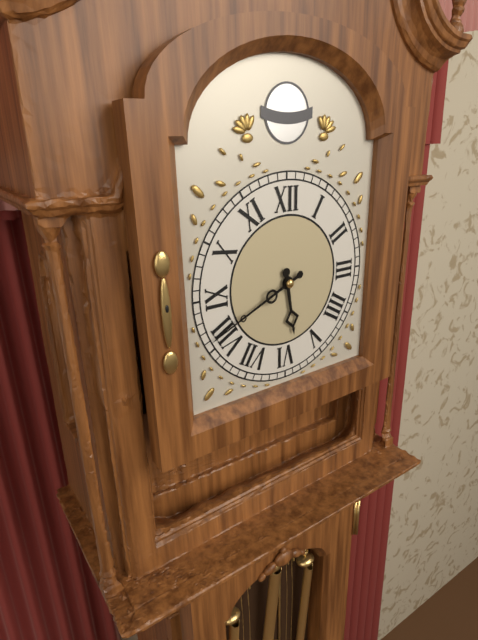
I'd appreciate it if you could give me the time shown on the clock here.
5:41
